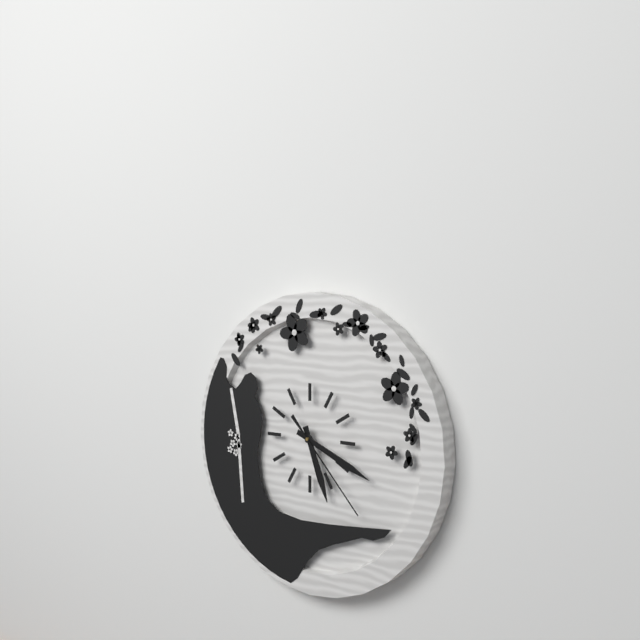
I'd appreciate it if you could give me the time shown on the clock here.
5:19:23
